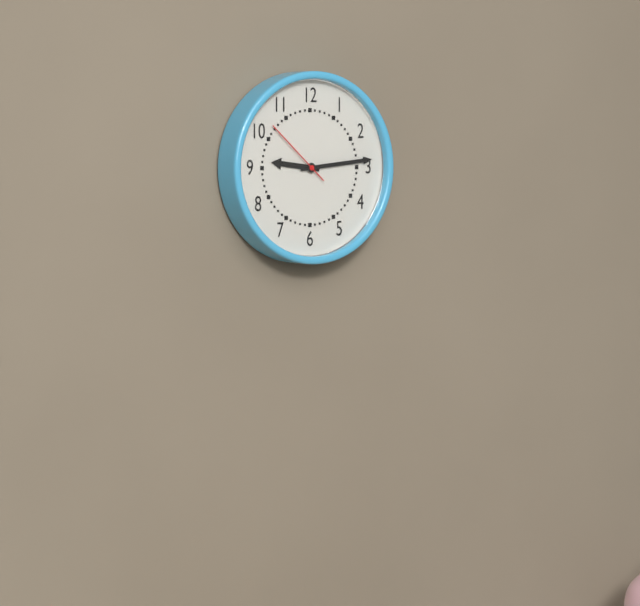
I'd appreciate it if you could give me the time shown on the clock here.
9:14:52
